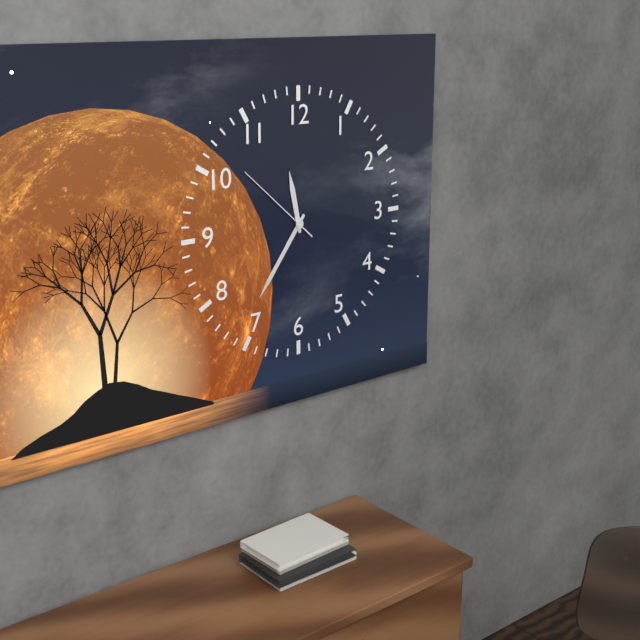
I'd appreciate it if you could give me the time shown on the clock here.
11:36:52
